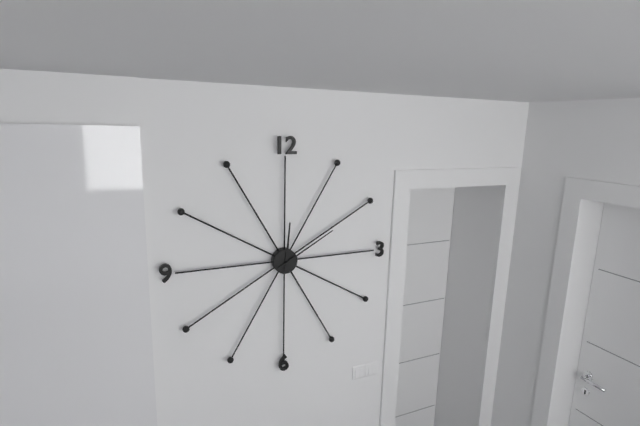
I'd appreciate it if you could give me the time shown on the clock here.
12:10
